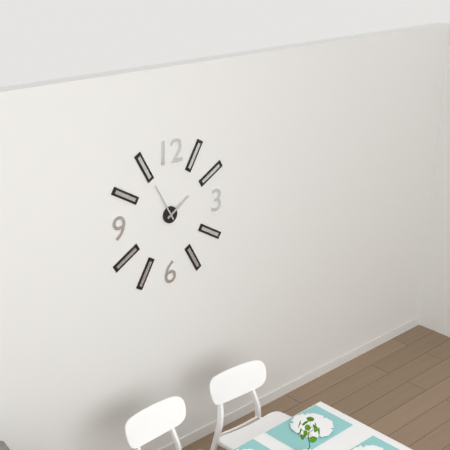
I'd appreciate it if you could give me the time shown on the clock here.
1:55
